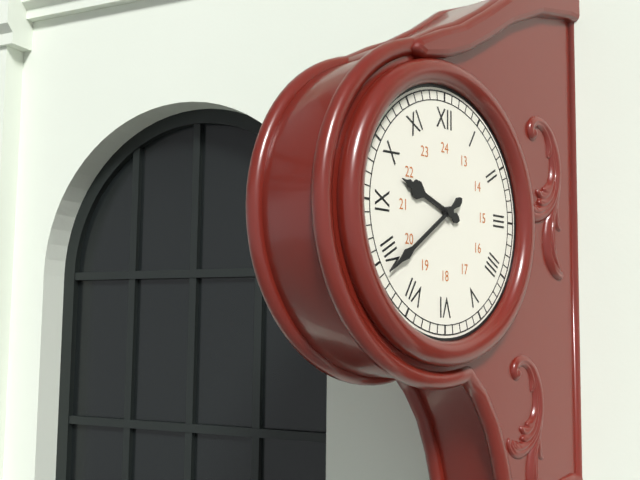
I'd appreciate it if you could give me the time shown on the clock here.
9:39
